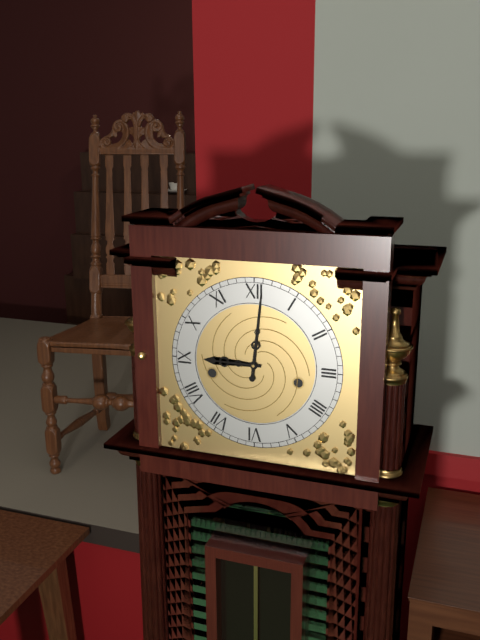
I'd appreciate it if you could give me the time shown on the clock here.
9:01
